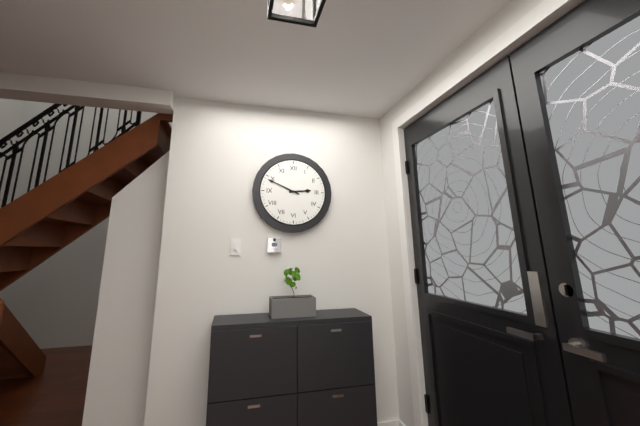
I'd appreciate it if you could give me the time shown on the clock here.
2:49
